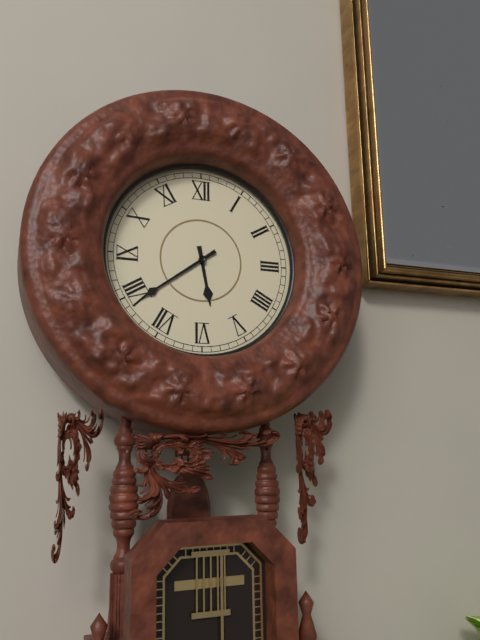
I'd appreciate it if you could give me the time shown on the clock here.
5:39
